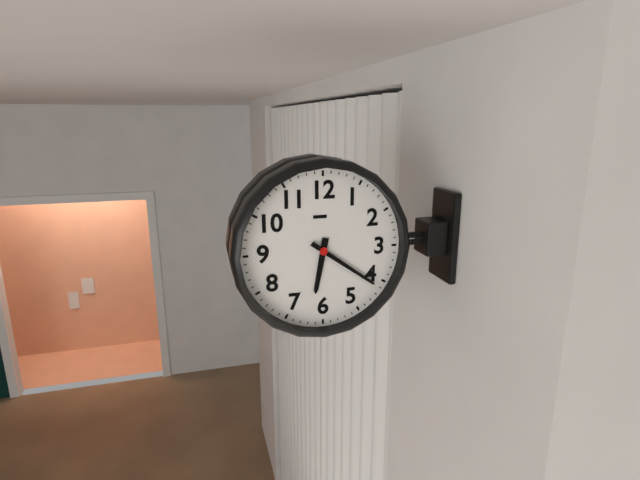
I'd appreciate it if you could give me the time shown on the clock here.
6:21
